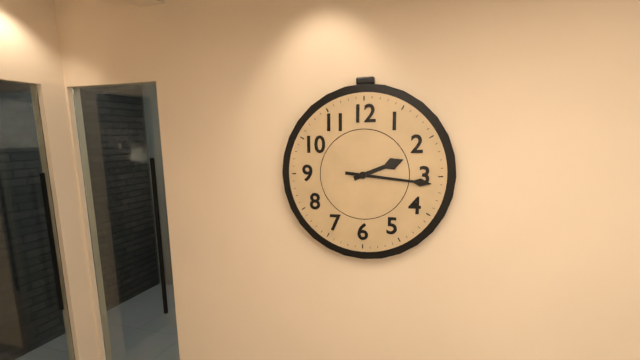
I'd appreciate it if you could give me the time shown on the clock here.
2:16
